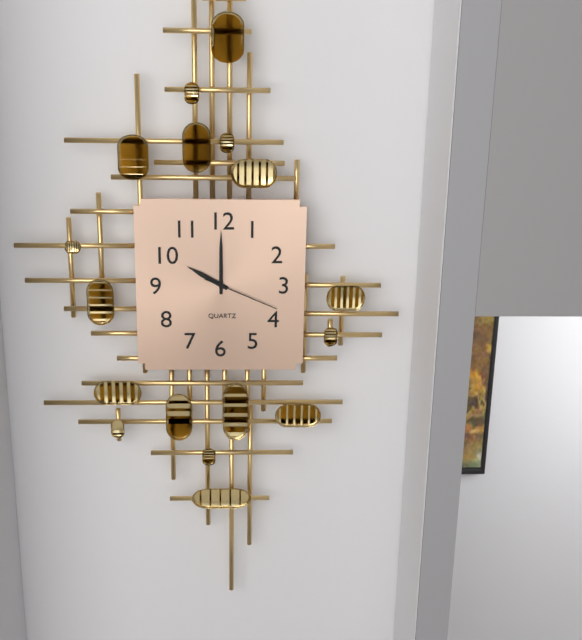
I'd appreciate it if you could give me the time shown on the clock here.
10:00:19
